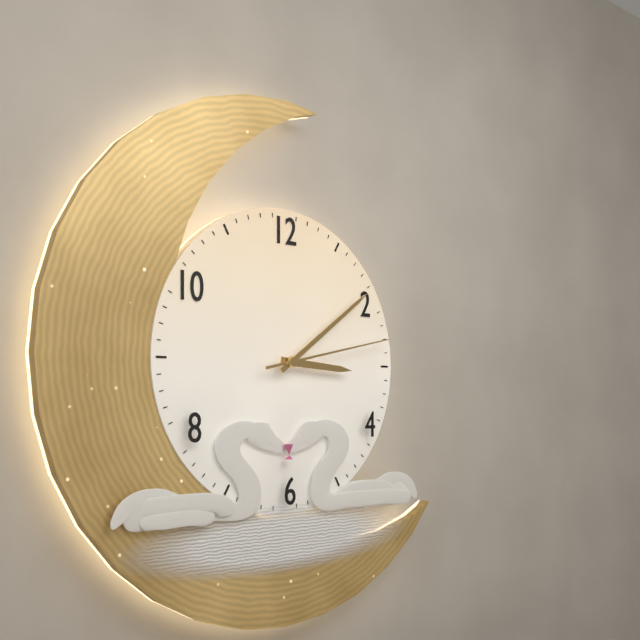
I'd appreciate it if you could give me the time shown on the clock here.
3:09:13
